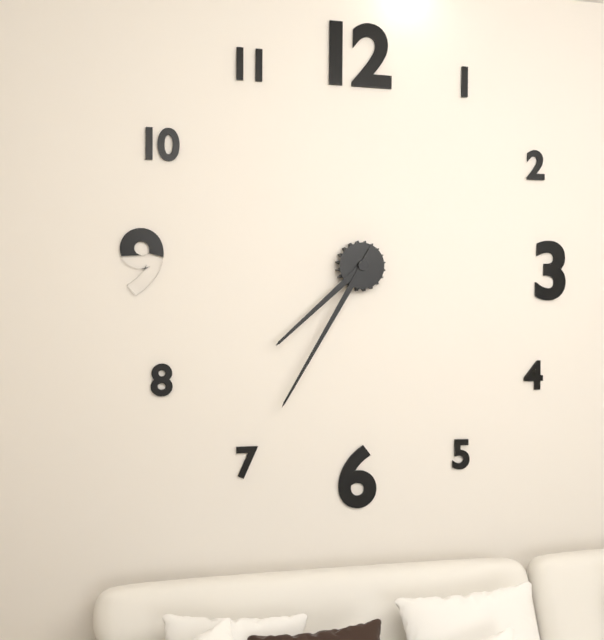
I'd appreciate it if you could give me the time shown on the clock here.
7:35
